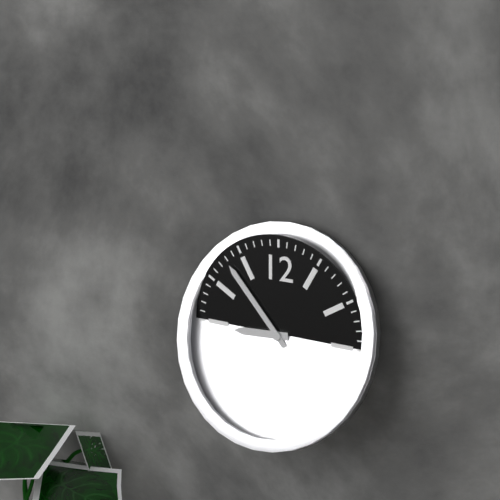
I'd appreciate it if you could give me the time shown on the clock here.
8:53
